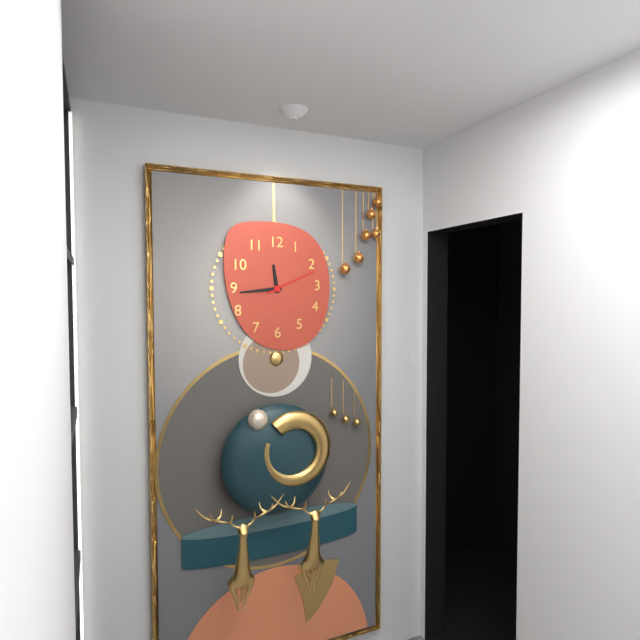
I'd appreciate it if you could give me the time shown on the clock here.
11:44:11
